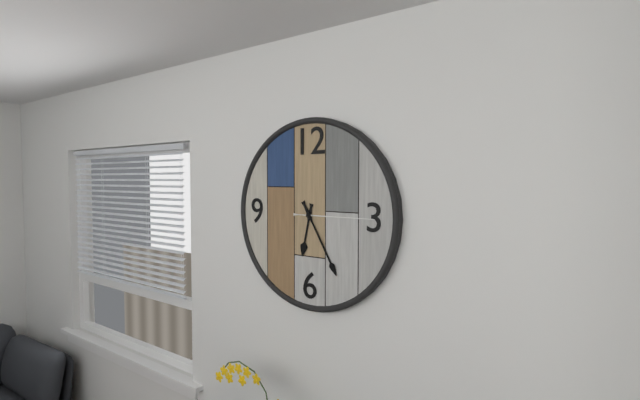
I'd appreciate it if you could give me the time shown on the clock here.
6:25:15
